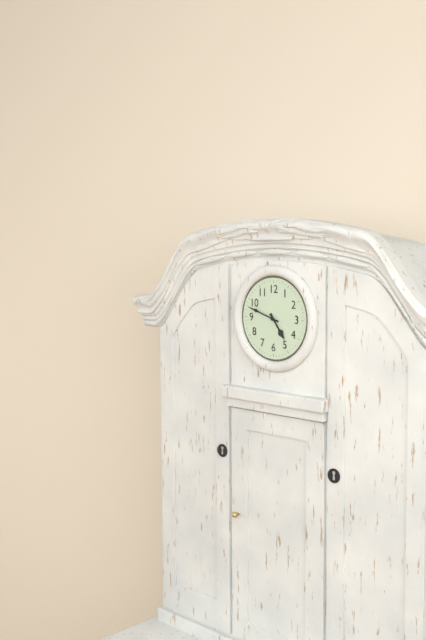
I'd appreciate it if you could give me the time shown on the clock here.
4:48
